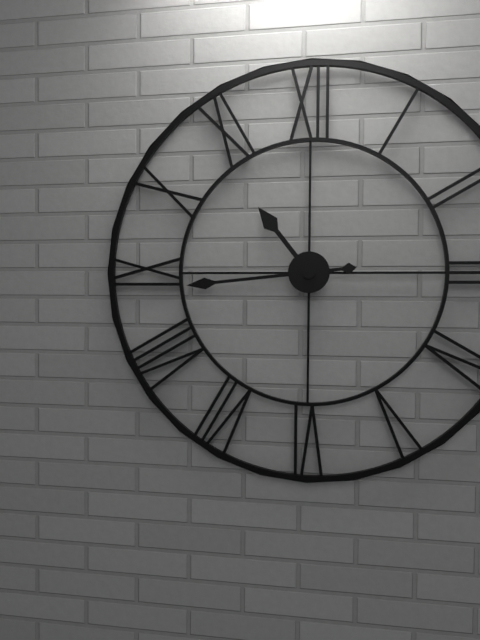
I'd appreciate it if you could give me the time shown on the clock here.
10:44
